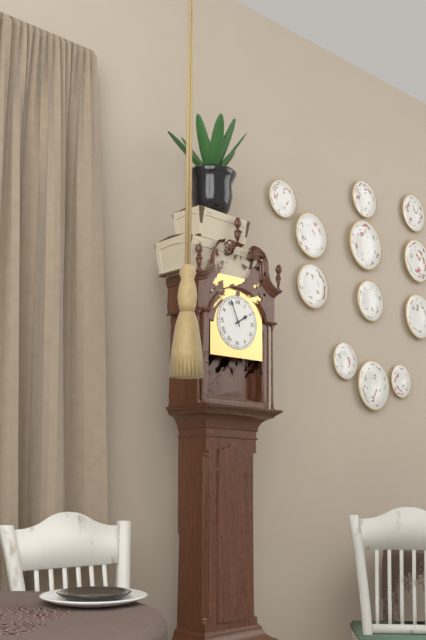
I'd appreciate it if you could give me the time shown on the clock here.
1:56
